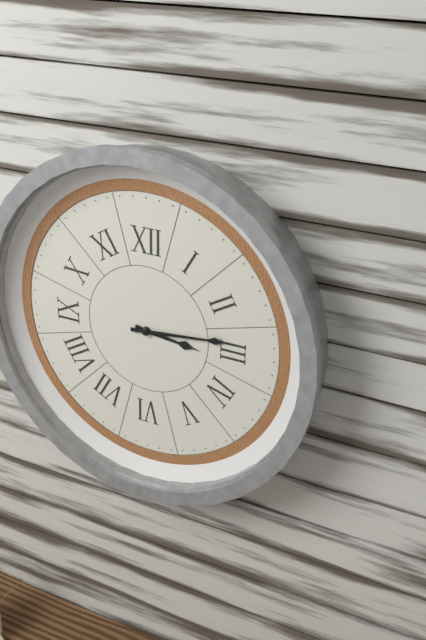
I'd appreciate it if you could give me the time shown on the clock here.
3:14
